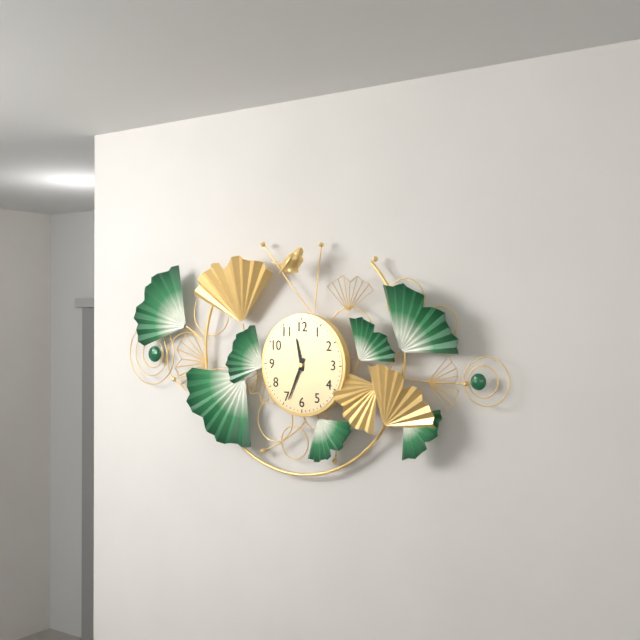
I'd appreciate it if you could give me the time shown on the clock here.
11:34
